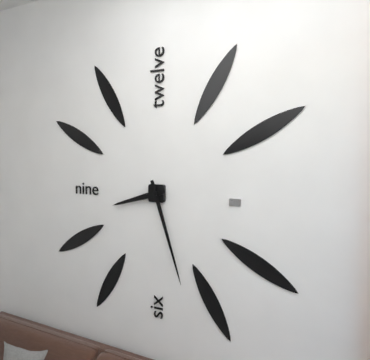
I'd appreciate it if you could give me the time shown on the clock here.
8:27
